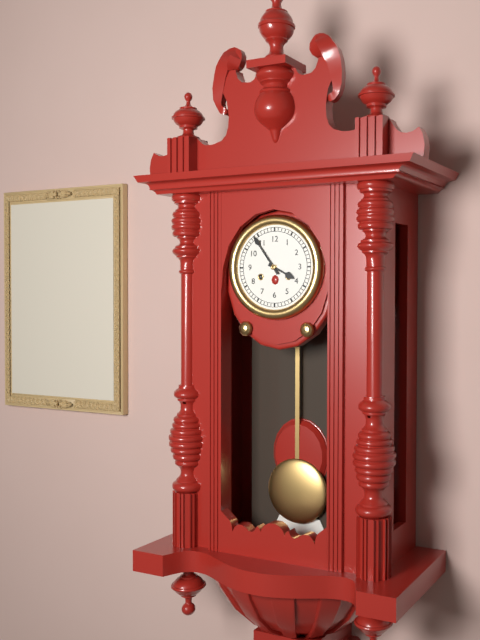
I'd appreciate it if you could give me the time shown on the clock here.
3:54
